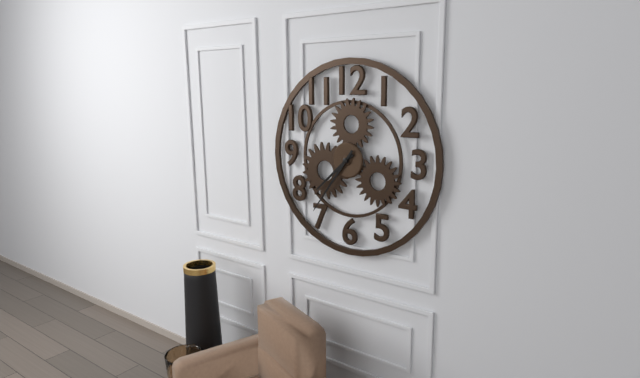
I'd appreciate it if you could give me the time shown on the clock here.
7:36
